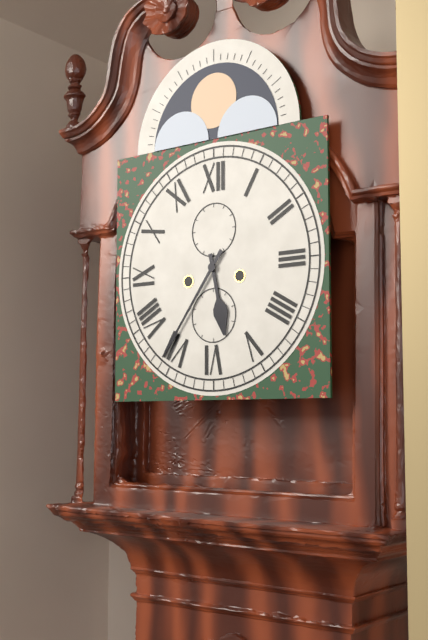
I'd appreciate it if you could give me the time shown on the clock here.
5:36
